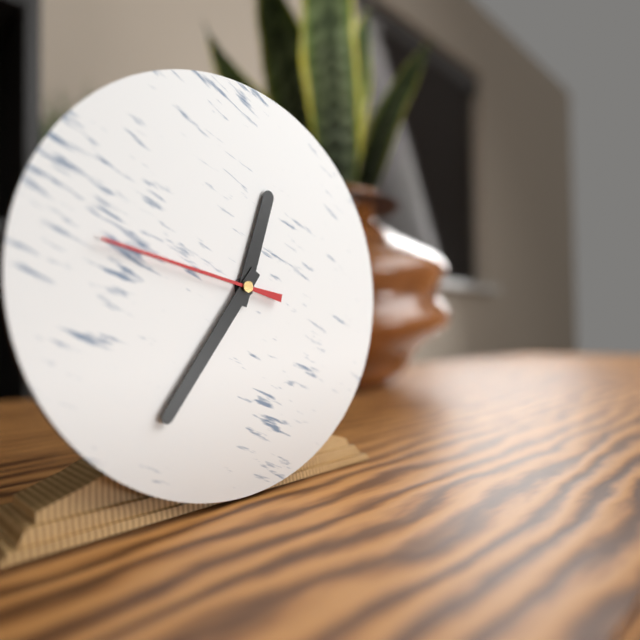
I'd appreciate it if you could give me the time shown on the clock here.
12:36:47
